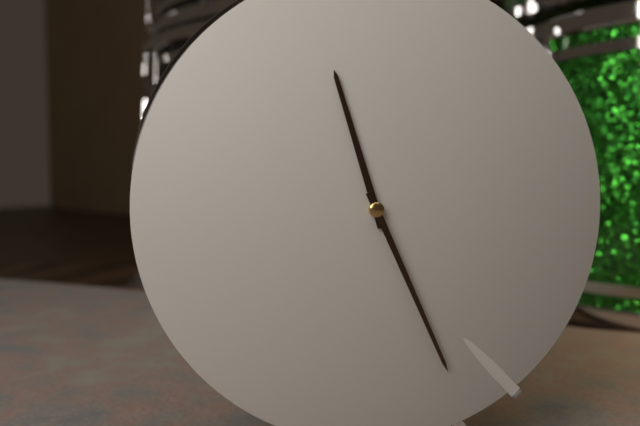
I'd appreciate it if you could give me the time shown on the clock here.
11:26
